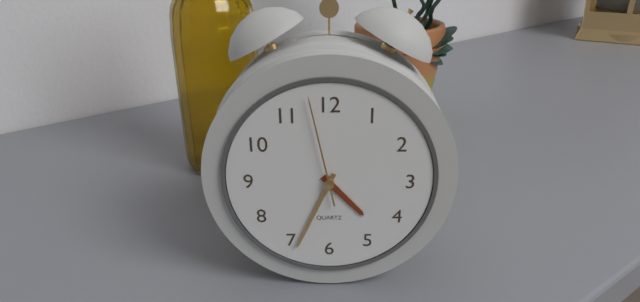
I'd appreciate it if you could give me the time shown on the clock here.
4:34:58
